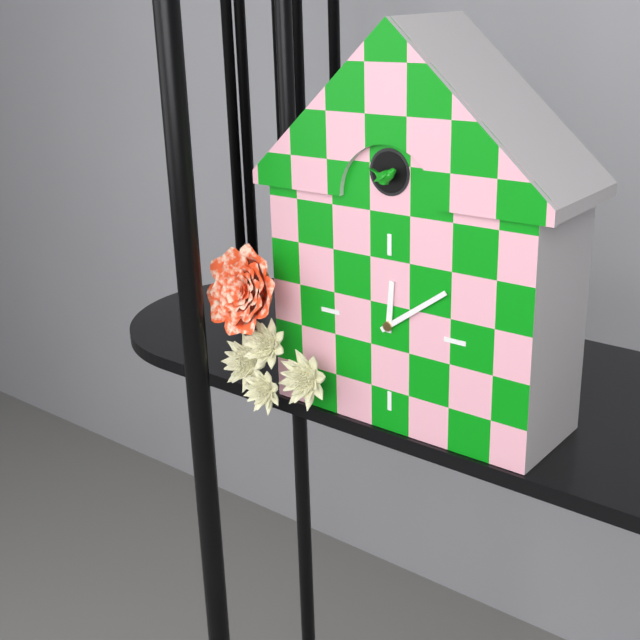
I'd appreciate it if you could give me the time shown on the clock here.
12:09
